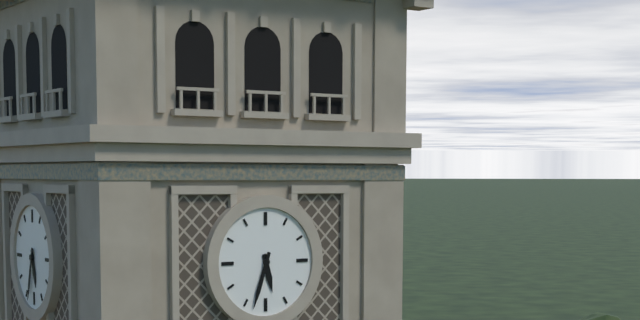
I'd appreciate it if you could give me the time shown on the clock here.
5:33
